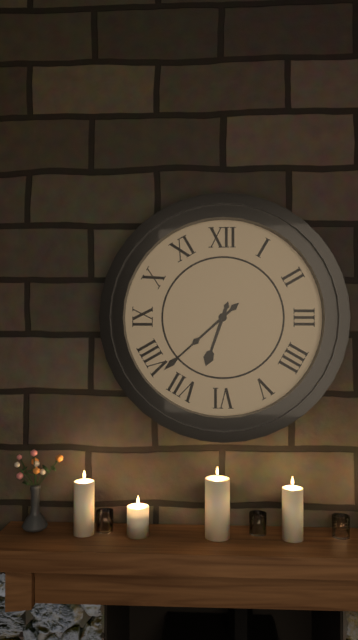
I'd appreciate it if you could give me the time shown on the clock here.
6:38:38
